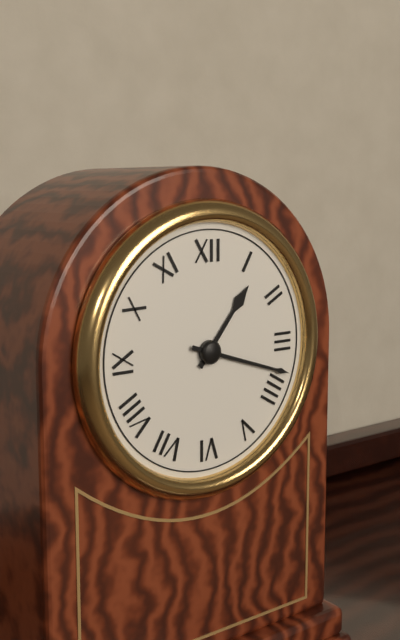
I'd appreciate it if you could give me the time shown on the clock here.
1:18
